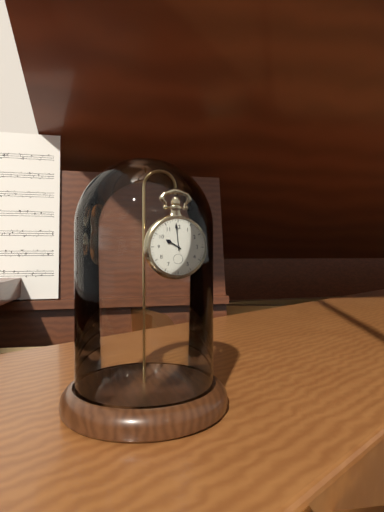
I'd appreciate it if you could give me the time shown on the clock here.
9:59
